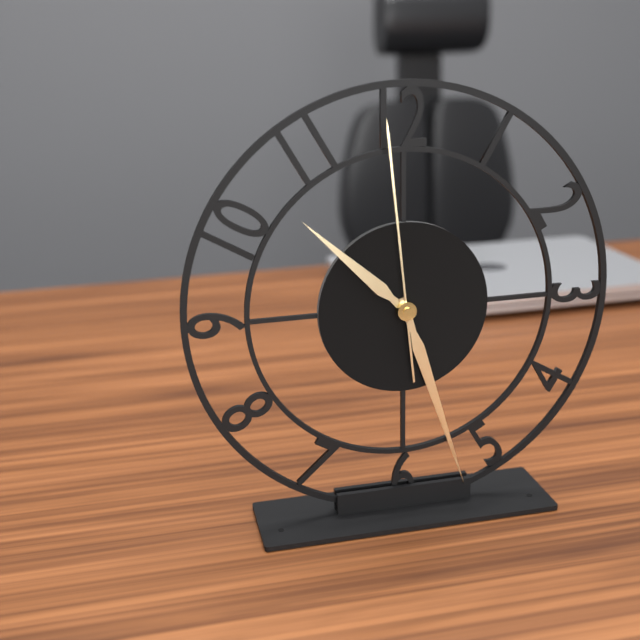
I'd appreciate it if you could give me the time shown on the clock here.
10:27:59
